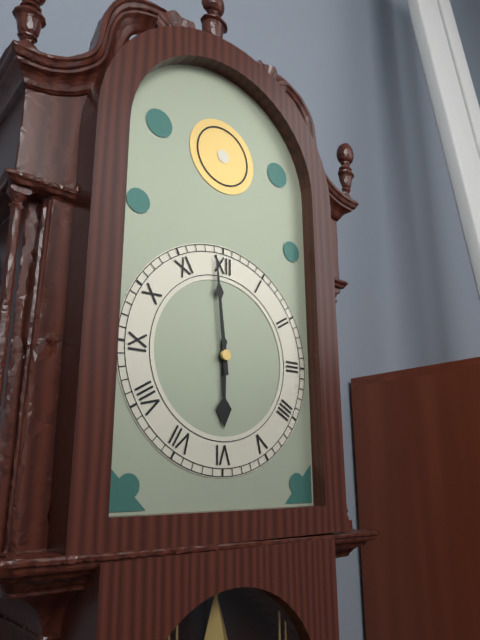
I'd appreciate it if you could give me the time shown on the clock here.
5:59
